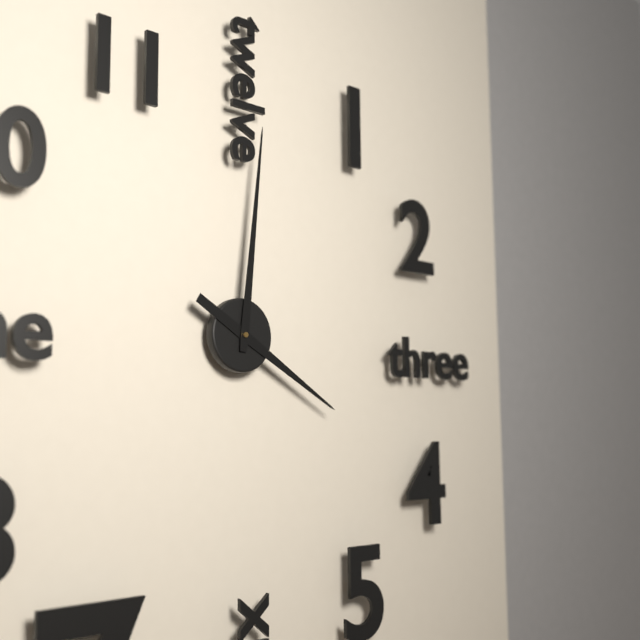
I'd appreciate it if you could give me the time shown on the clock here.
4:01
